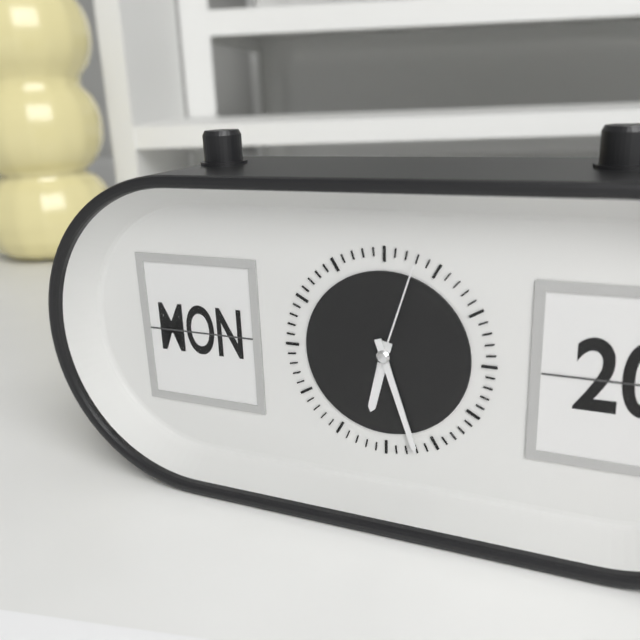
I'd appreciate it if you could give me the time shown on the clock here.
6:27:03
